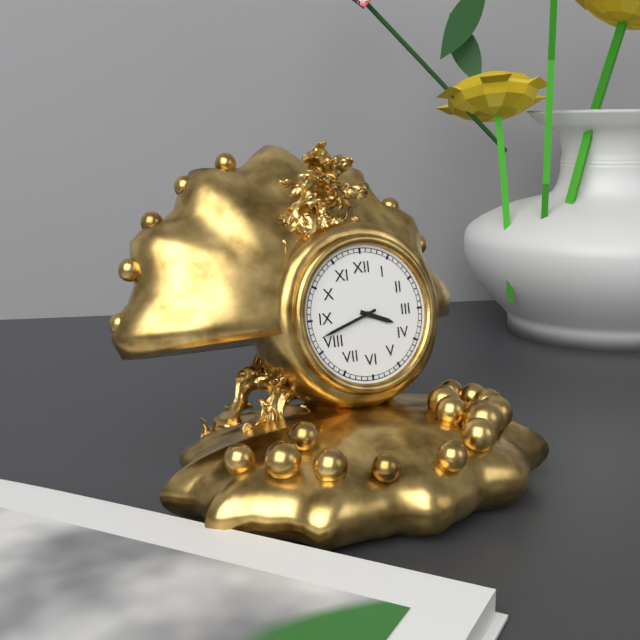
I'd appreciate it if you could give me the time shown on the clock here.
3:42
